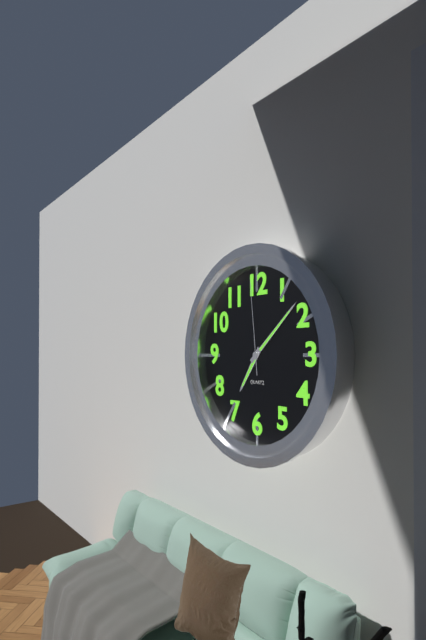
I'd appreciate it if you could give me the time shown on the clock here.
7:08:59
